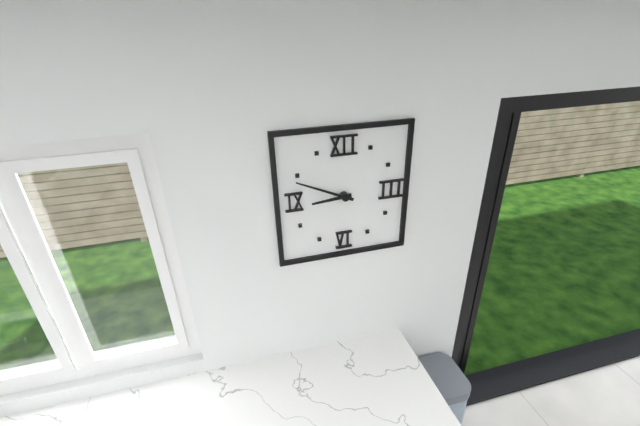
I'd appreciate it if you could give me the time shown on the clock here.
8:49
